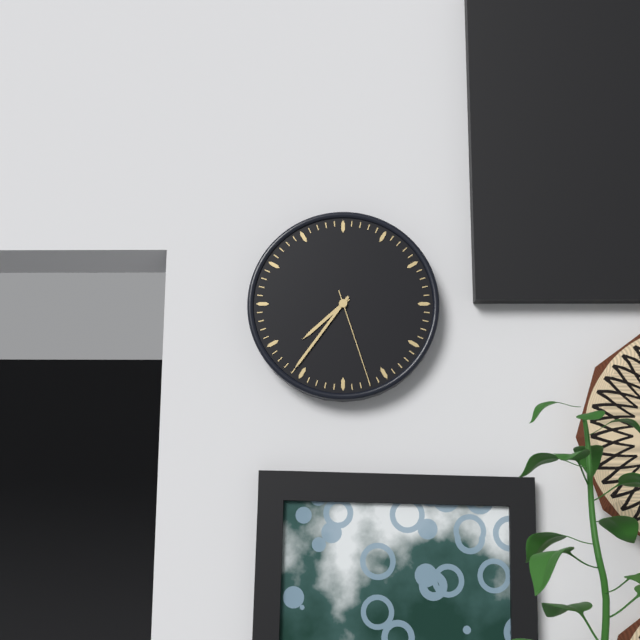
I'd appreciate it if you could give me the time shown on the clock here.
7:36:27
